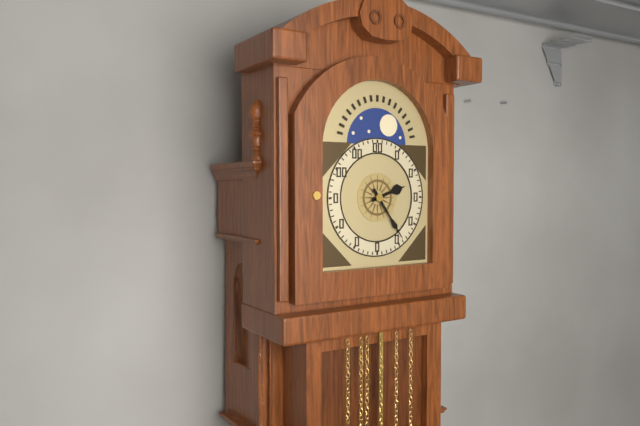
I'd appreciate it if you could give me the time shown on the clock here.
2:24
